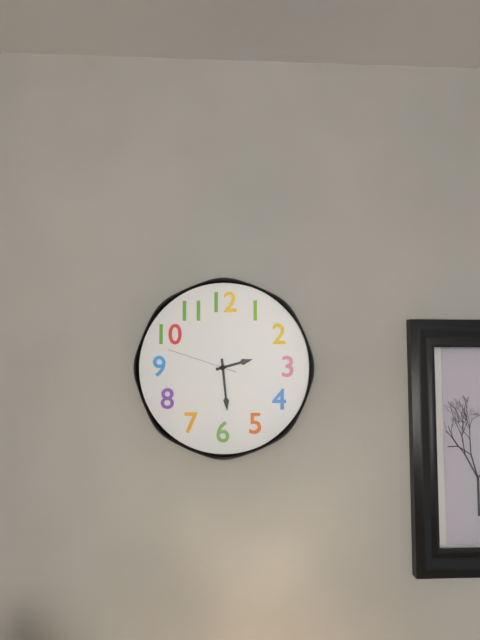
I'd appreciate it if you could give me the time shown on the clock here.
2:29:48
